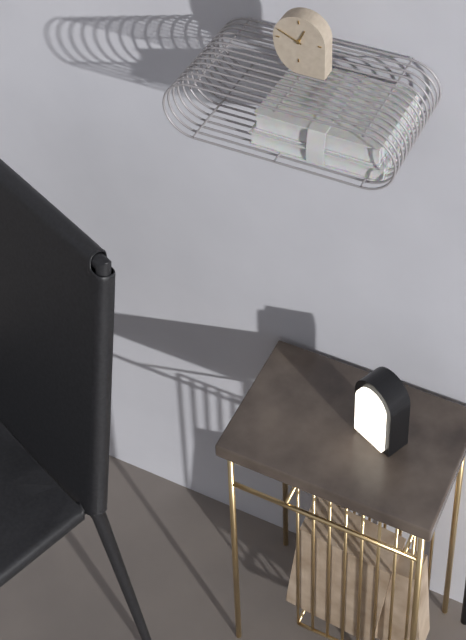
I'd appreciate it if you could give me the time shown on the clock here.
12:49
